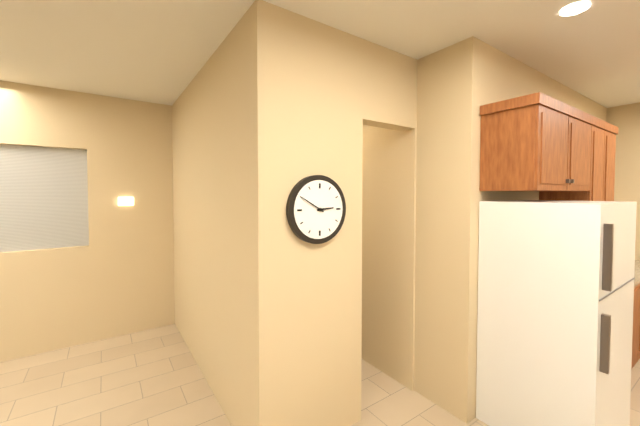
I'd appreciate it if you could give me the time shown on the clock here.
2:50
